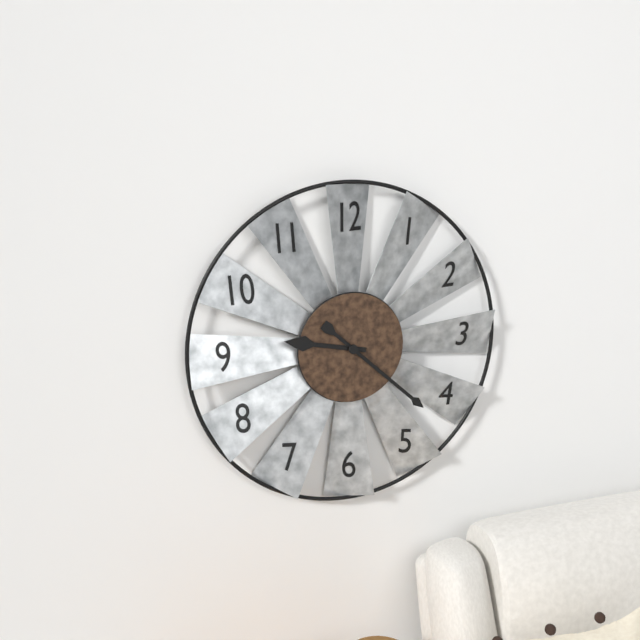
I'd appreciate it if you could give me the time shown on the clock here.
9:22
